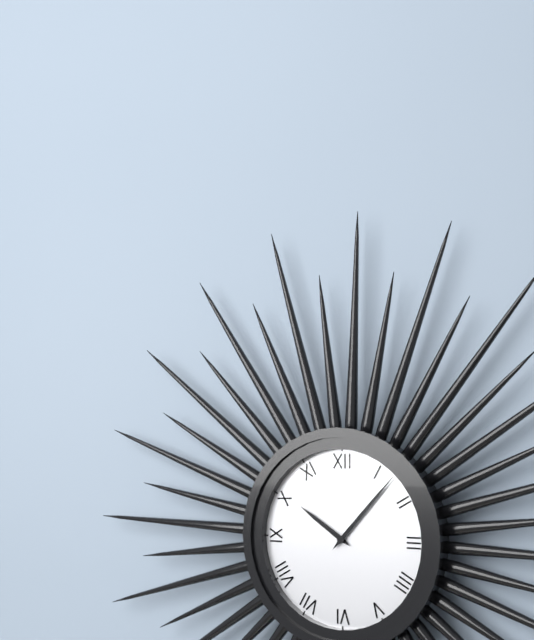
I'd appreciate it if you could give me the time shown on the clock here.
10:07
